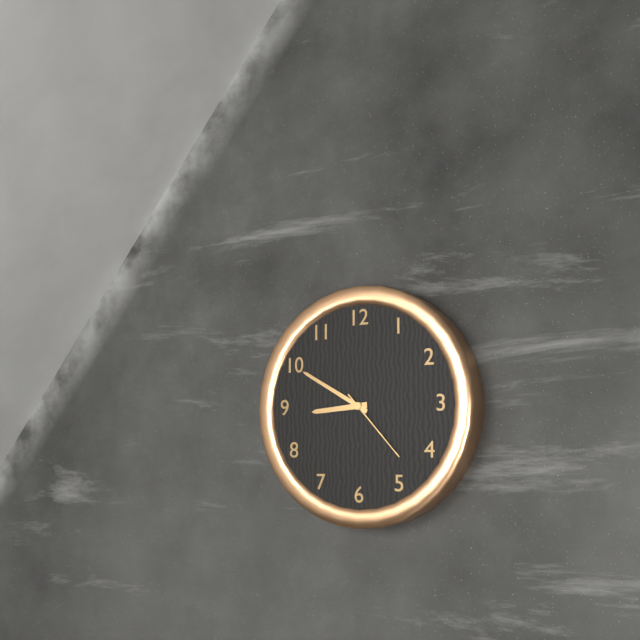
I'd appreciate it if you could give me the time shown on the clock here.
8:50:23
